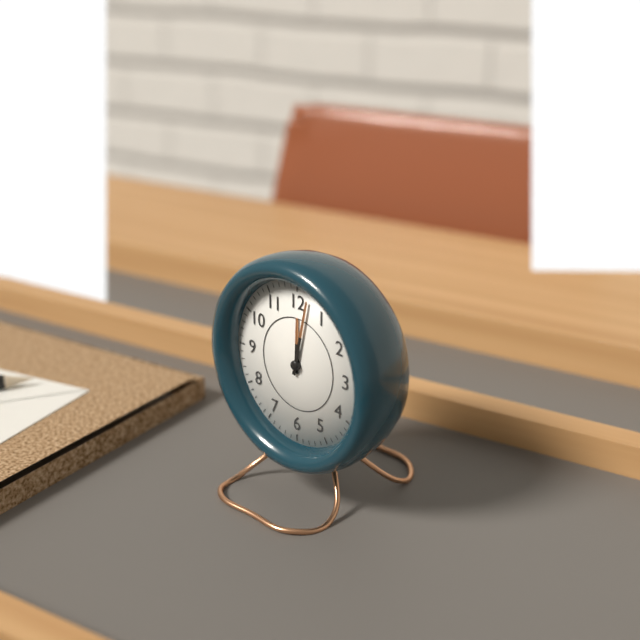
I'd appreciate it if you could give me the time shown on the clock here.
12:02
